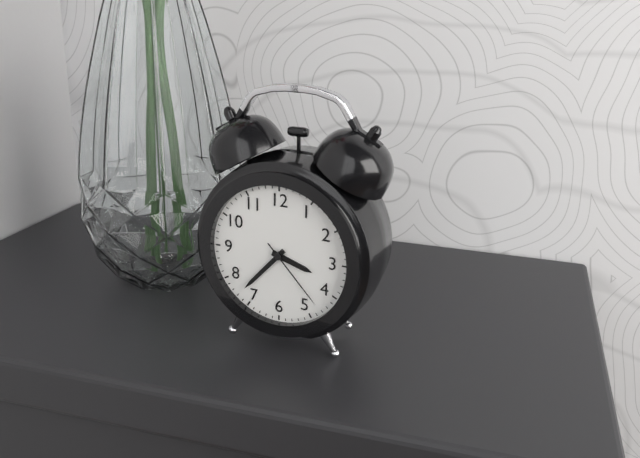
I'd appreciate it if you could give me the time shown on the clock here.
3:37:23
